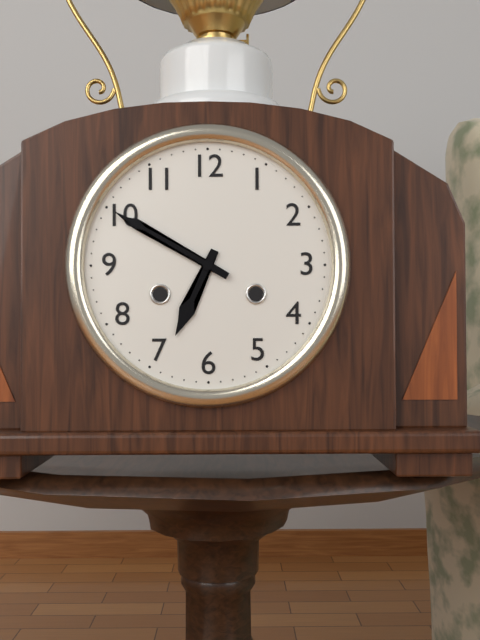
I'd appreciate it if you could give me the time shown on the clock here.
6:50
